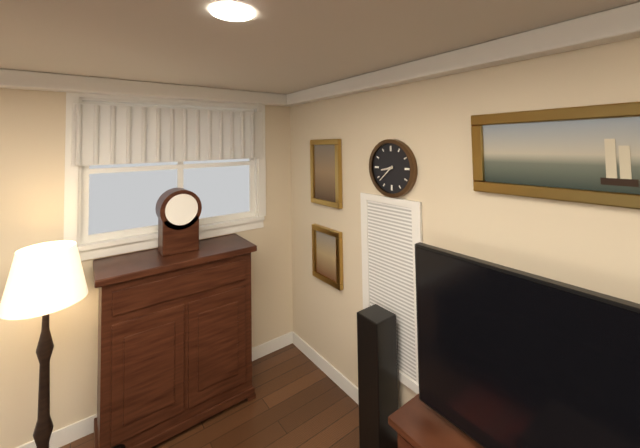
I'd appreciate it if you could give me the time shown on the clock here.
8:38
